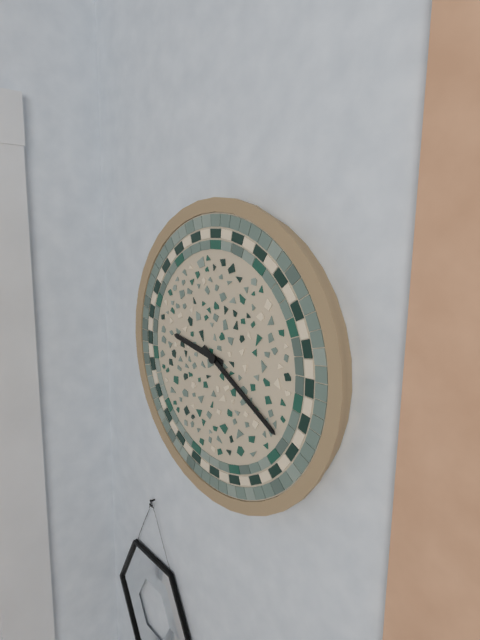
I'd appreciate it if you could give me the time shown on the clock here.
9:20
